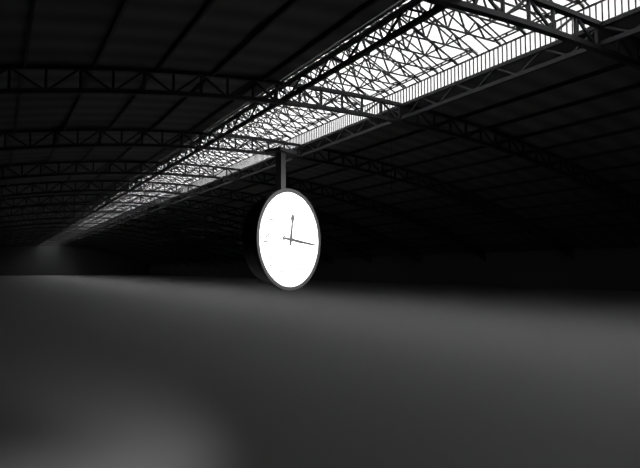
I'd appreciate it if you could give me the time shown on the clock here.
12:16
